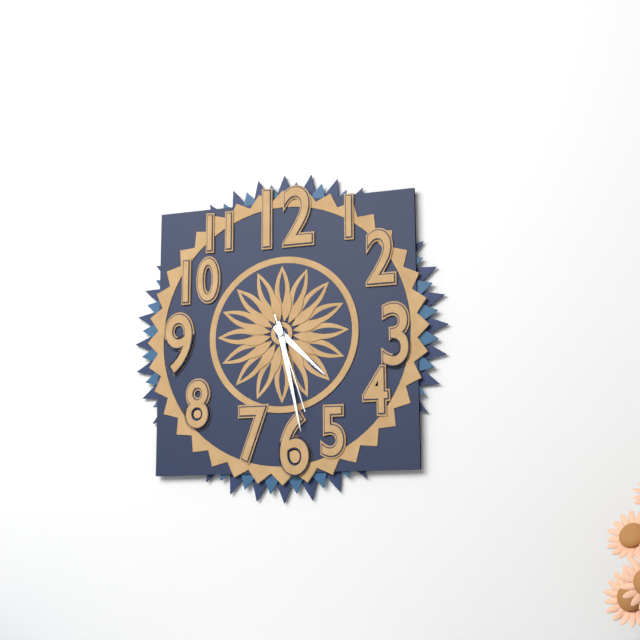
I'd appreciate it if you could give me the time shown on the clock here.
4:28:27
